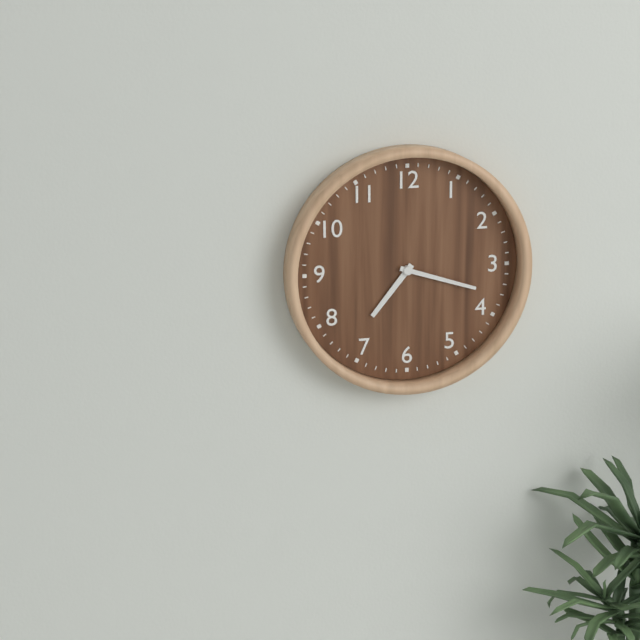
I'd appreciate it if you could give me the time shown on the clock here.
7:18
